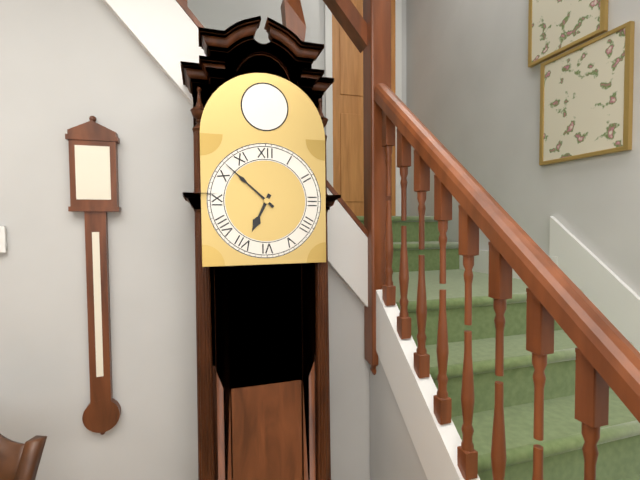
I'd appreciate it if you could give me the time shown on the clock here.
6:52
